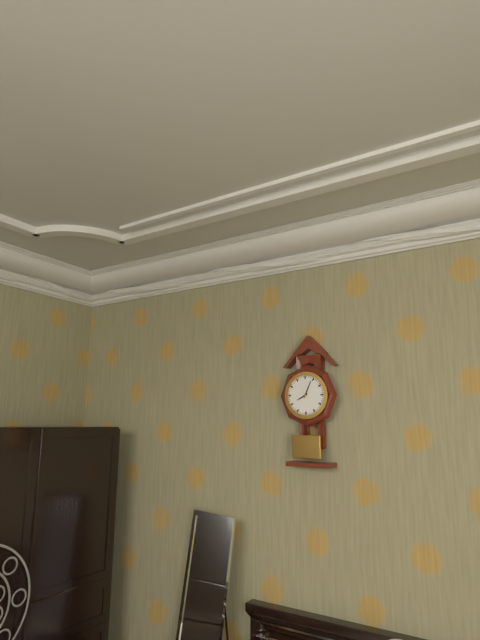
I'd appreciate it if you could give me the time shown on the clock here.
8:04
